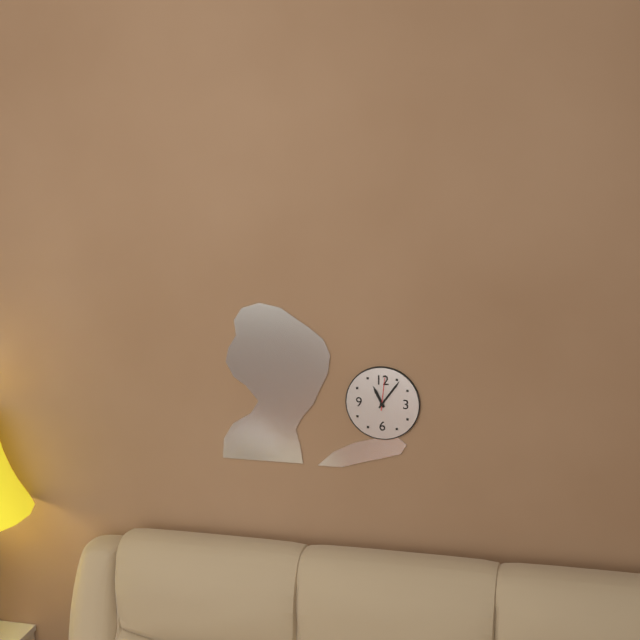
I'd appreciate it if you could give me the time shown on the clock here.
11:06
